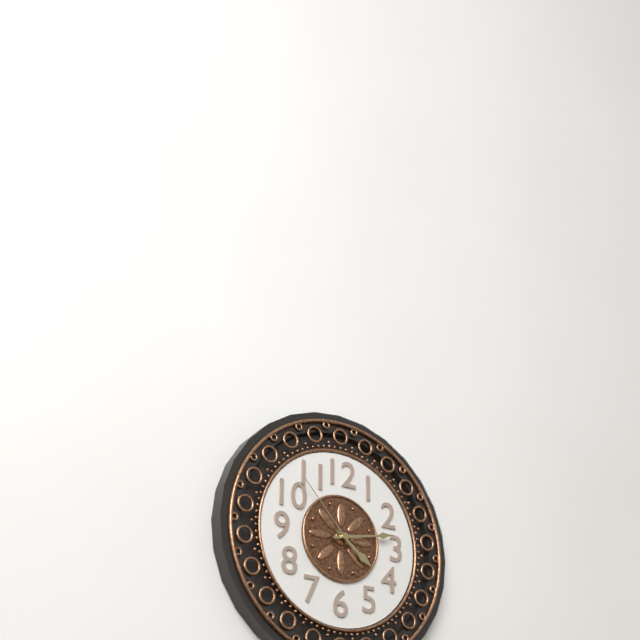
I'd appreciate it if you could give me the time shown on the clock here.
4:13:53
